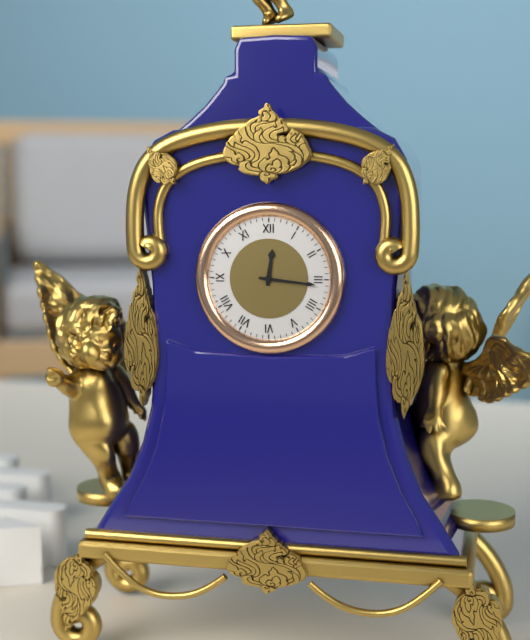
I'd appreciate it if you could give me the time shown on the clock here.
12:16
